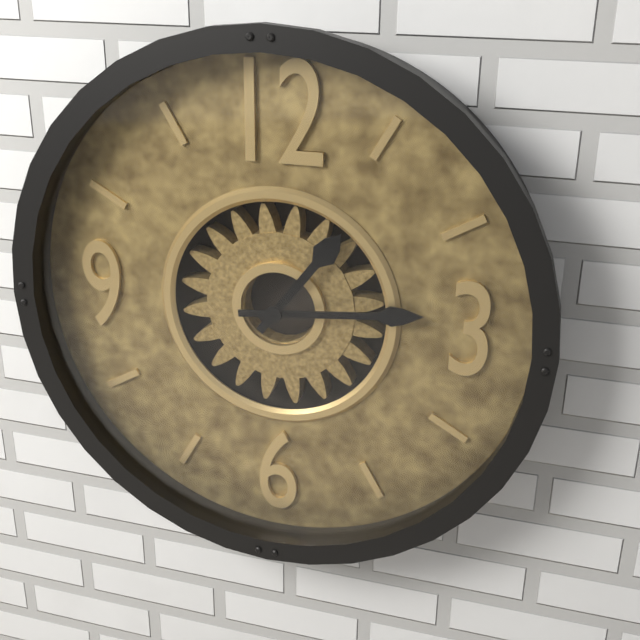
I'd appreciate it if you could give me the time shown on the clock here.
1:14
